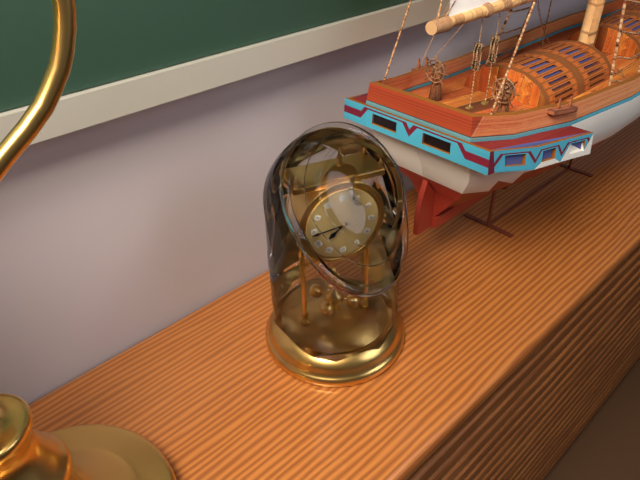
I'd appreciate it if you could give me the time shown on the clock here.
7:44
